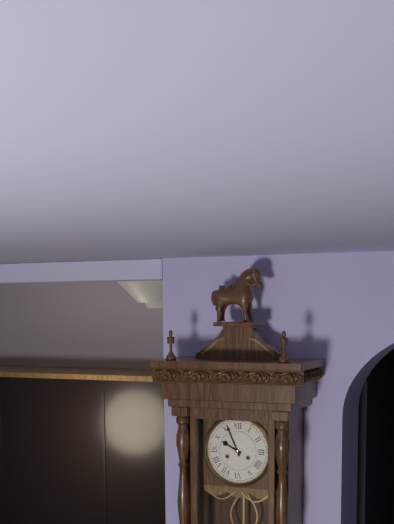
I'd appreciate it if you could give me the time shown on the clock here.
9:56
